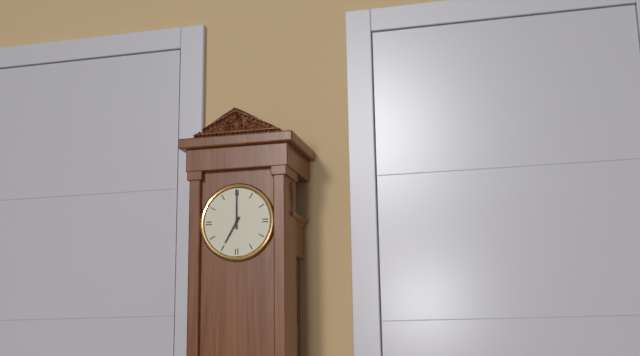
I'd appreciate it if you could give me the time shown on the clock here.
7:00
